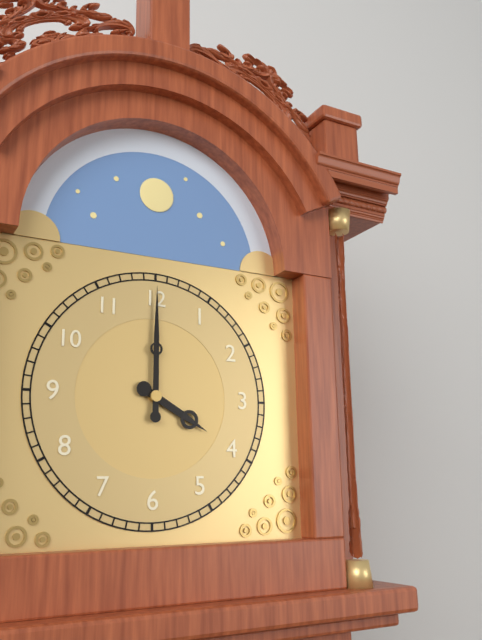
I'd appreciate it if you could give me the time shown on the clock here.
4:00
